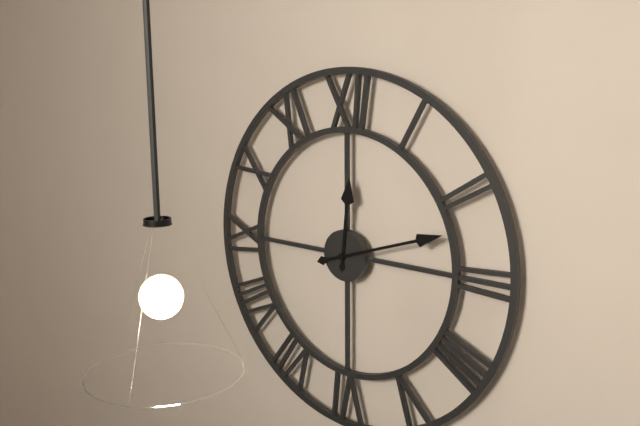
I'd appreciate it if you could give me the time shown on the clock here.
12:12
